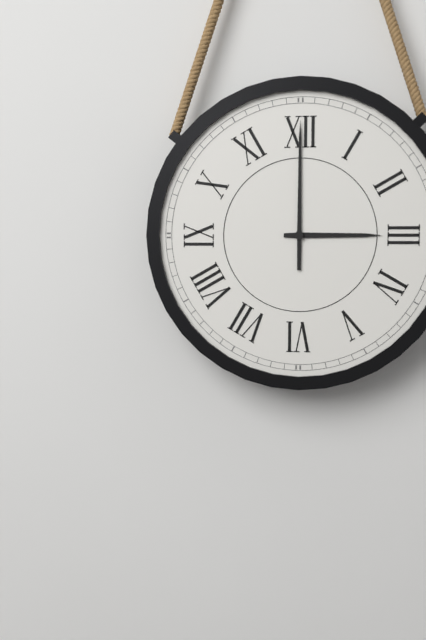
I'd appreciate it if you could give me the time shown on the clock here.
3:00
